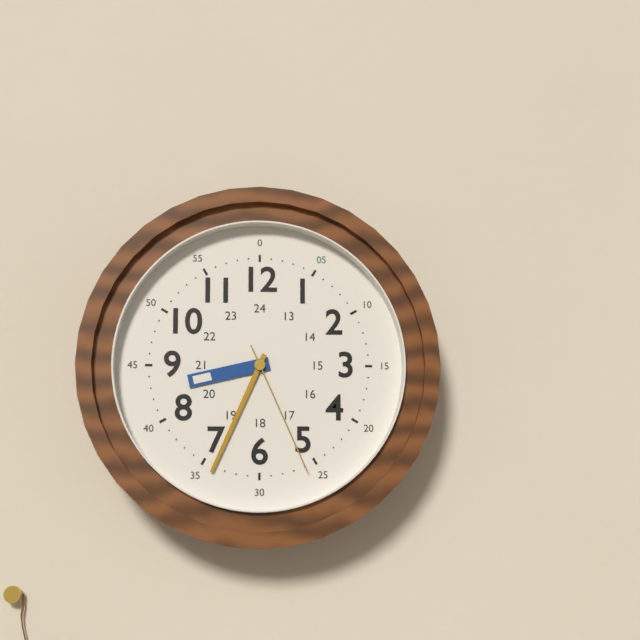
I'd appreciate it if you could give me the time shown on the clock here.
8:34:26
